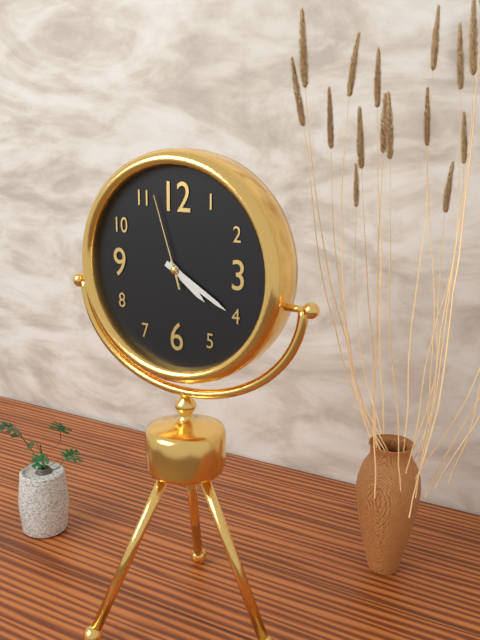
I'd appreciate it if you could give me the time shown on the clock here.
4:20:57
